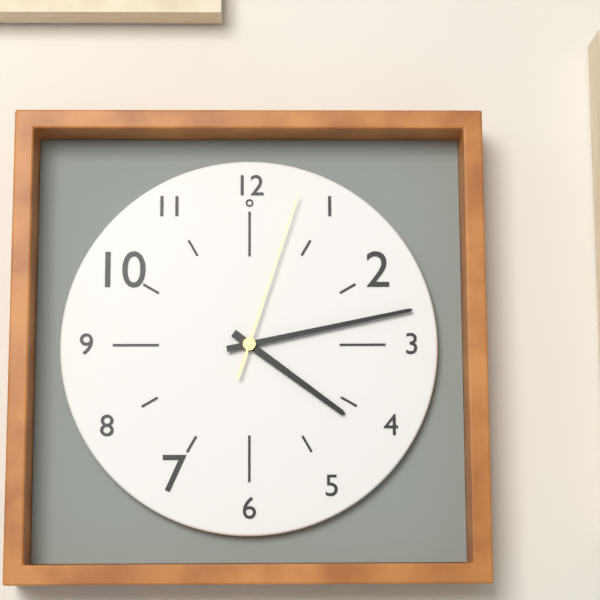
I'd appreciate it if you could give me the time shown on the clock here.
4:13:03
